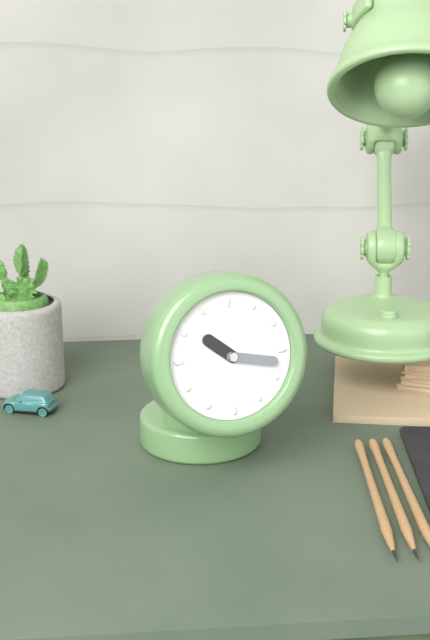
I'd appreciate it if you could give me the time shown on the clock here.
10:17
